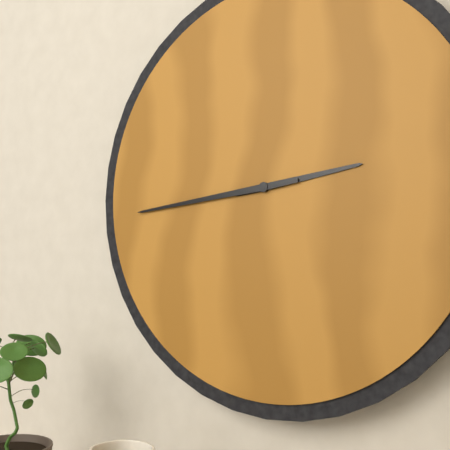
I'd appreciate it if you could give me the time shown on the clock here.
2:44
